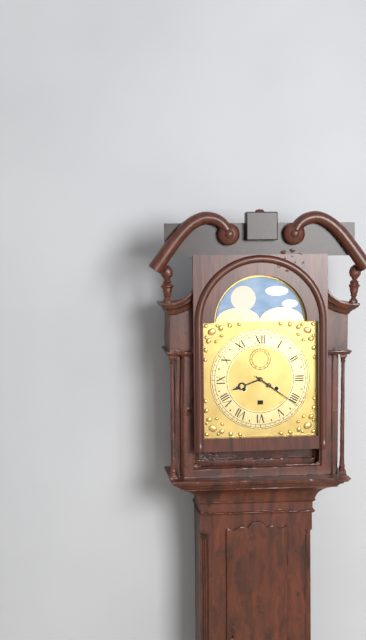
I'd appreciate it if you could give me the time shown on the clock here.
8:21
